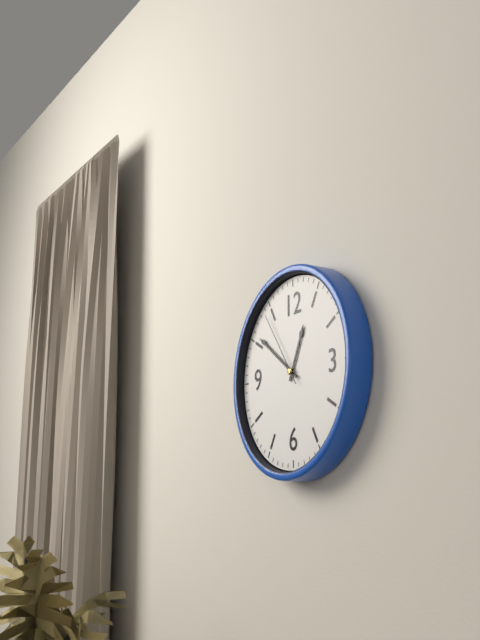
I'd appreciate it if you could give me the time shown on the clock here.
12:51:54
